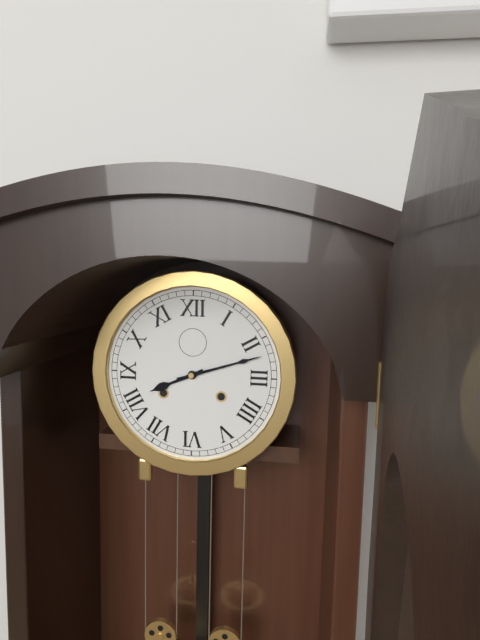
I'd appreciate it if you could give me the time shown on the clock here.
8:12
